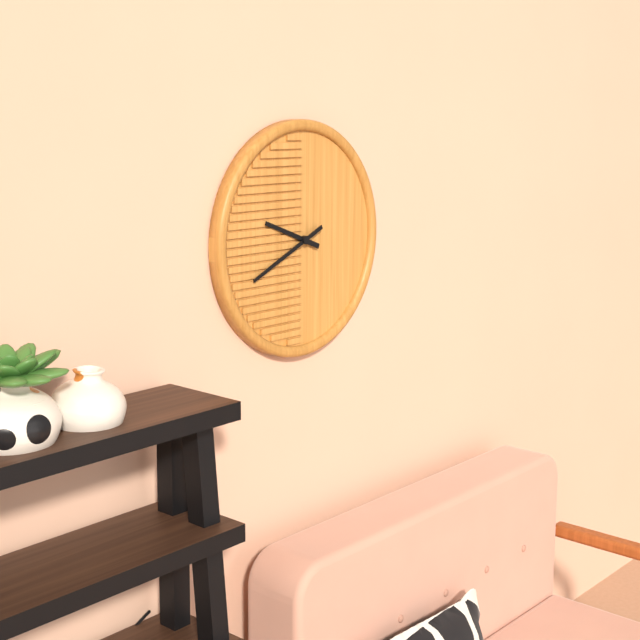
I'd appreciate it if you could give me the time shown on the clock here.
9:41
